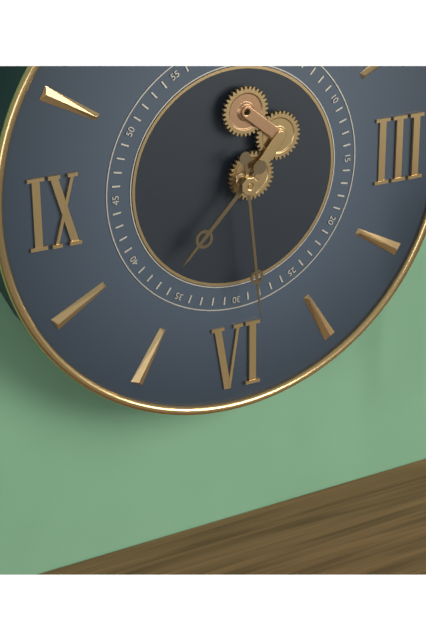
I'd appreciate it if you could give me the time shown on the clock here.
7:29
